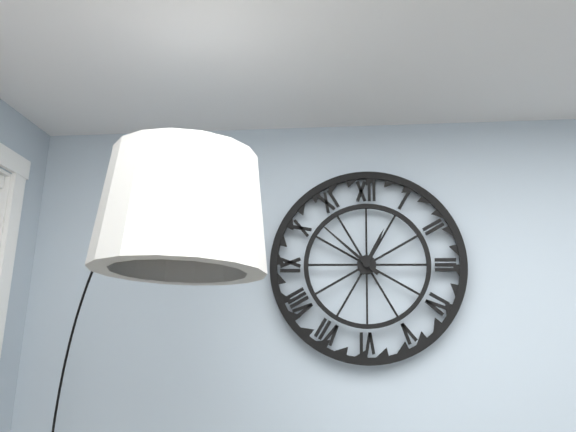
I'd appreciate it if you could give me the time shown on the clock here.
12:52
